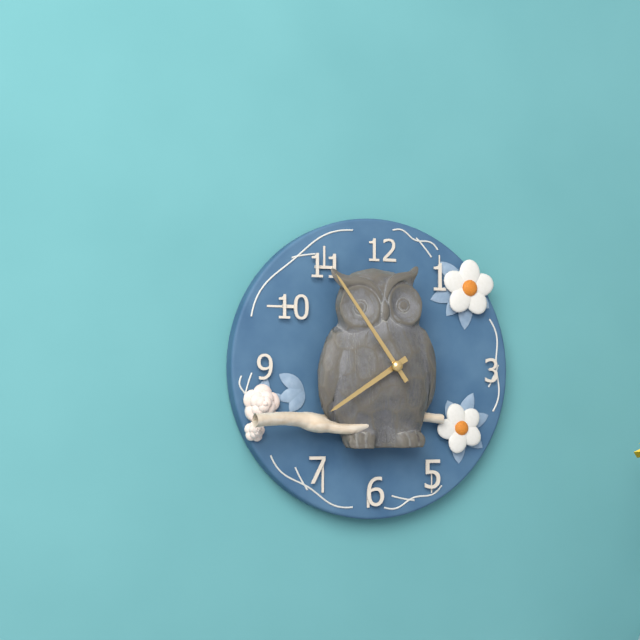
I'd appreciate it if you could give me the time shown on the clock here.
7:54
